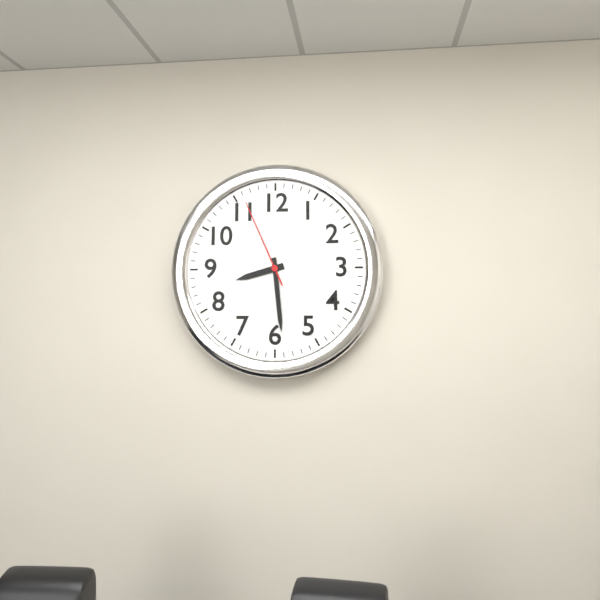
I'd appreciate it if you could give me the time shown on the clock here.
8:29:56
